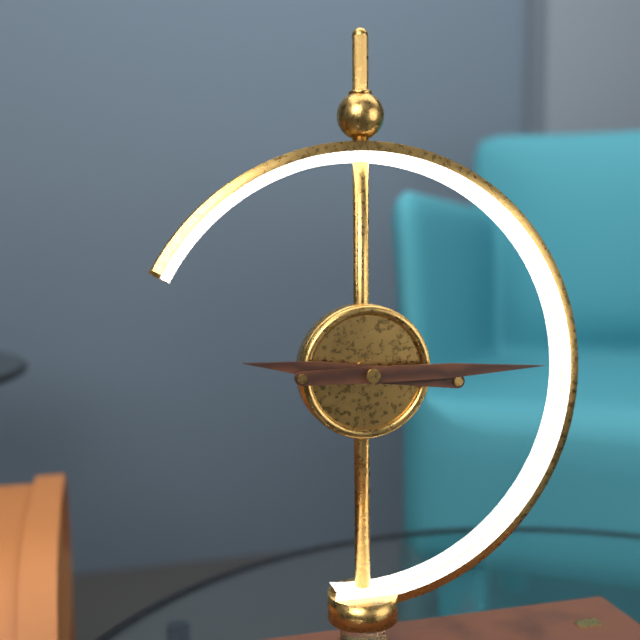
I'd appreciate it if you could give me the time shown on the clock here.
9:15
